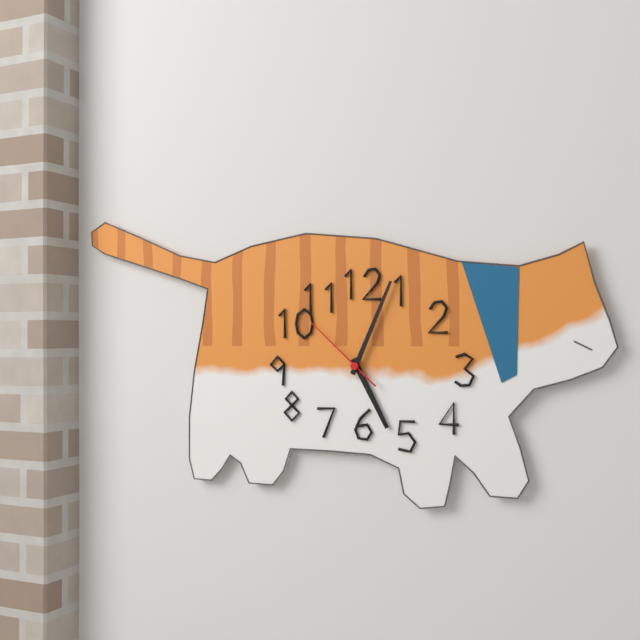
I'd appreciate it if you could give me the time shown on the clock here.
5:04:52
